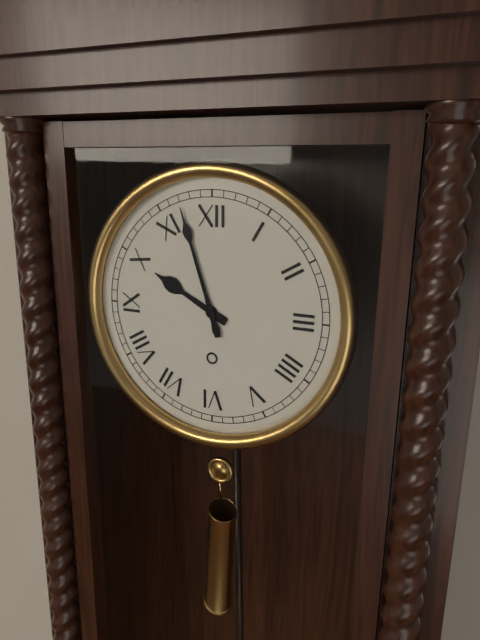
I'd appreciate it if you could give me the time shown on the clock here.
9:57
